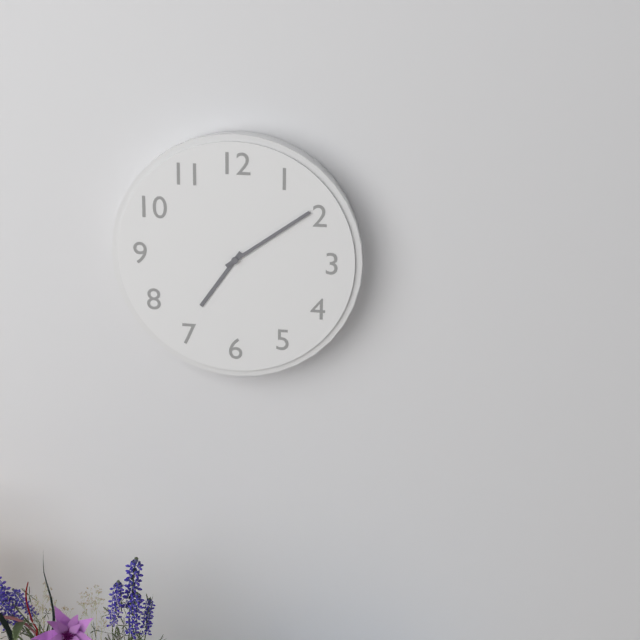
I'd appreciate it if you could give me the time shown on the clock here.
7:09
